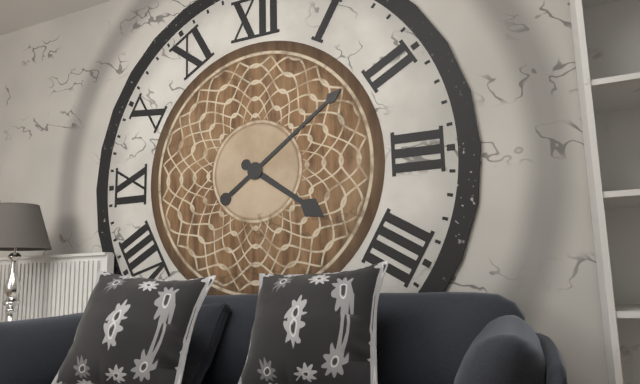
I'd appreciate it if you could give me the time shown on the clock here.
4:09
